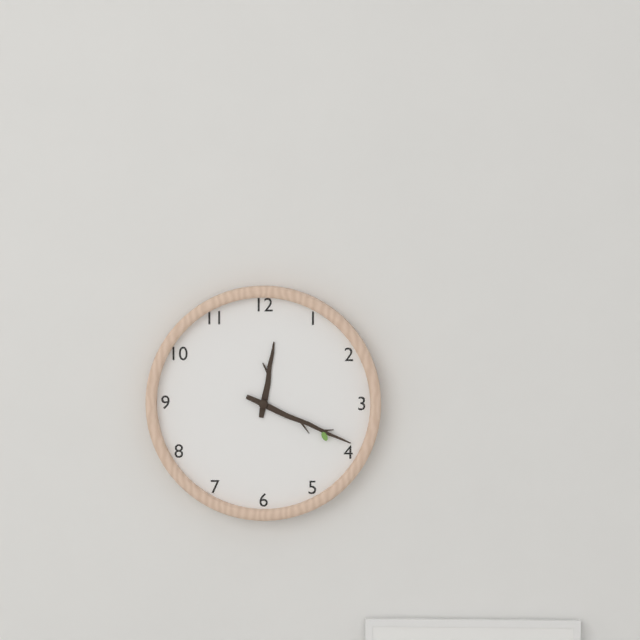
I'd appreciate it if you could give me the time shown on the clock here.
12:19
